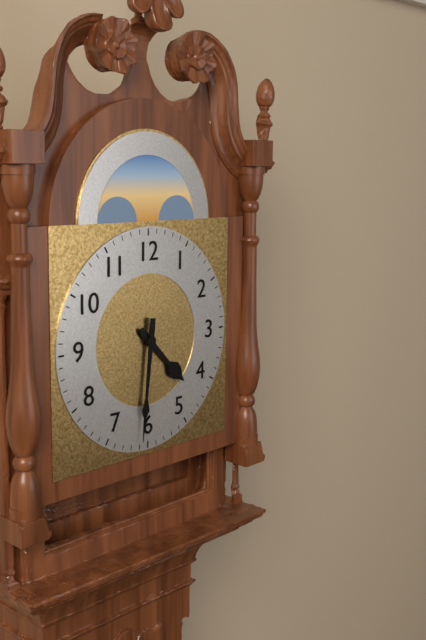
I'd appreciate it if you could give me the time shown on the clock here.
4:31
